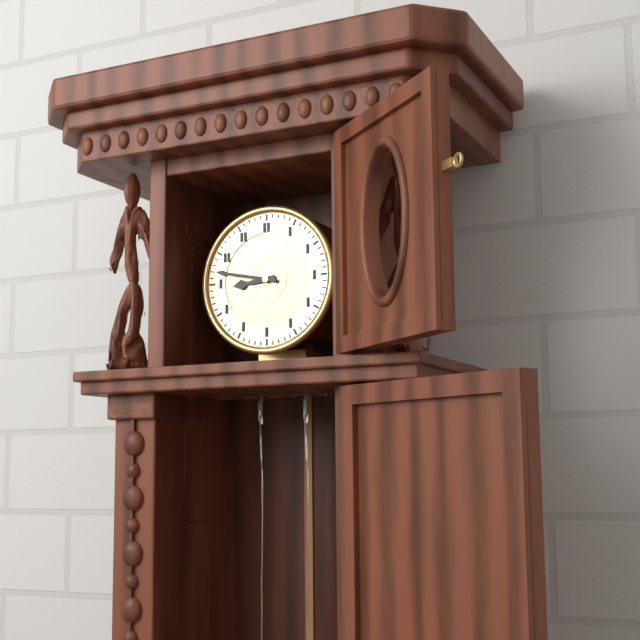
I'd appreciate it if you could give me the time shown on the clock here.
8:47
